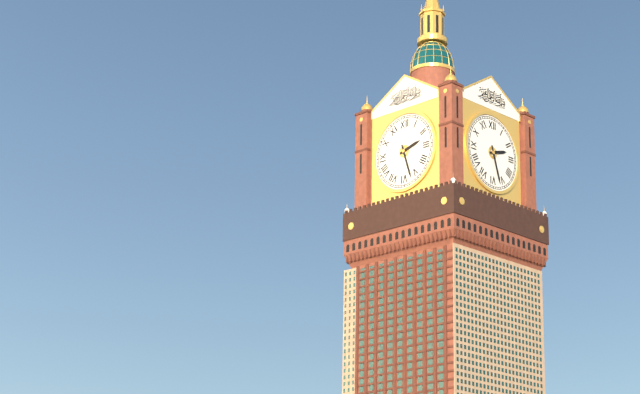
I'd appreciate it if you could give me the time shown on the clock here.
2:27
